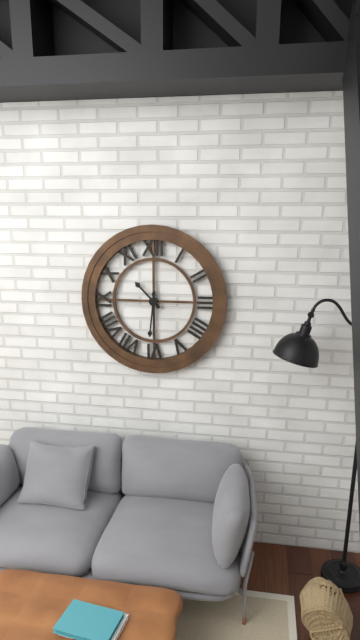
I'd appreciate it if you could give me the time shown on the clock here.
10:31
